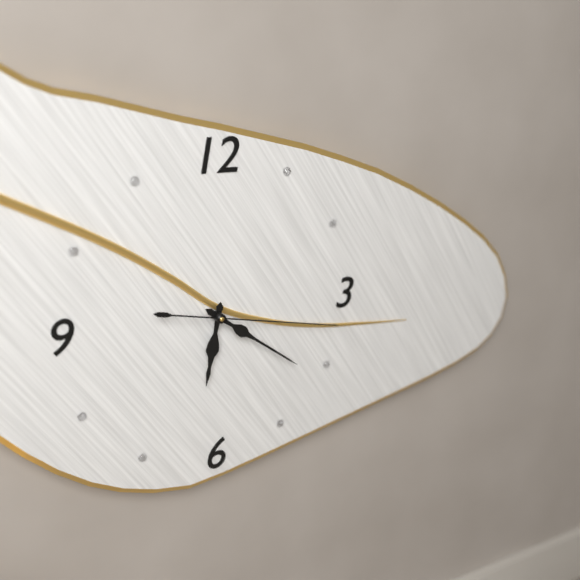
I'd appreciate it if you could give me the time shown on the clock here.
6:21:17
